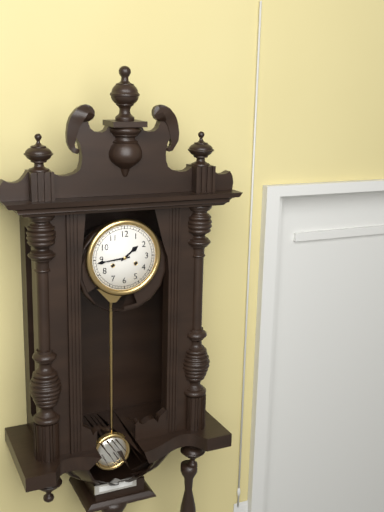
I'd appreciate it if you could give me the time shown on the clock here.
1:44
